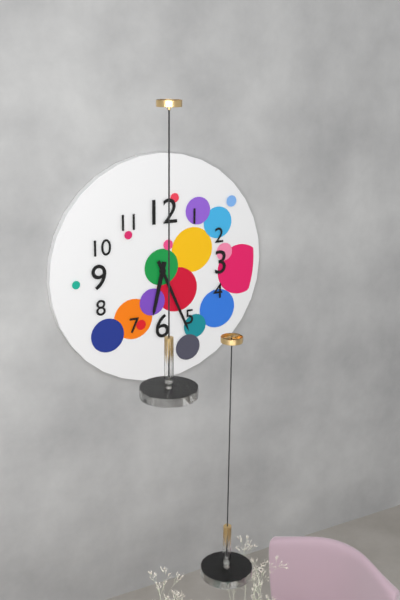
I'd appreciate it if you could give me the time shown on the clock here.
6:26
